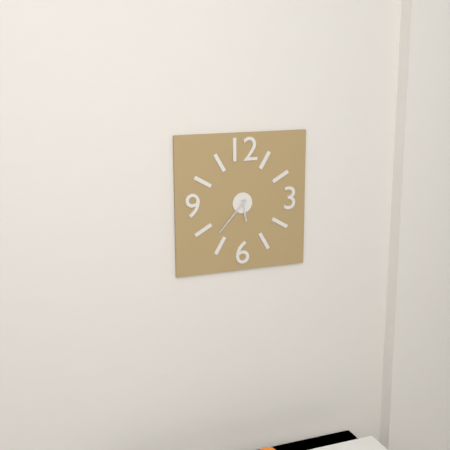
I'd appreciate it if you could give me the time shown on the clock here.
5:37
